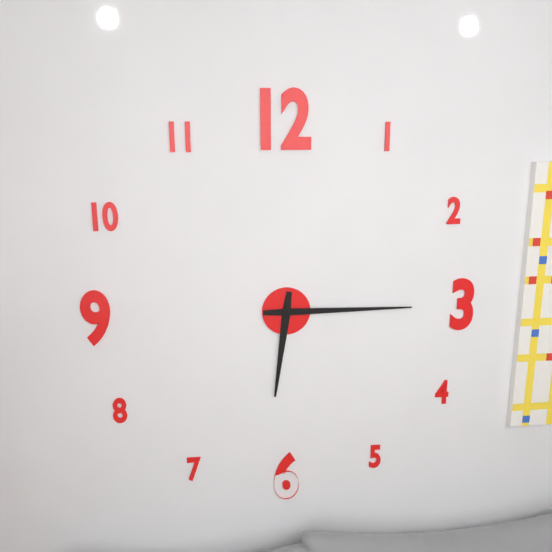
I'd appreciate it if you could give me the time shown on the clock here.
6:15
